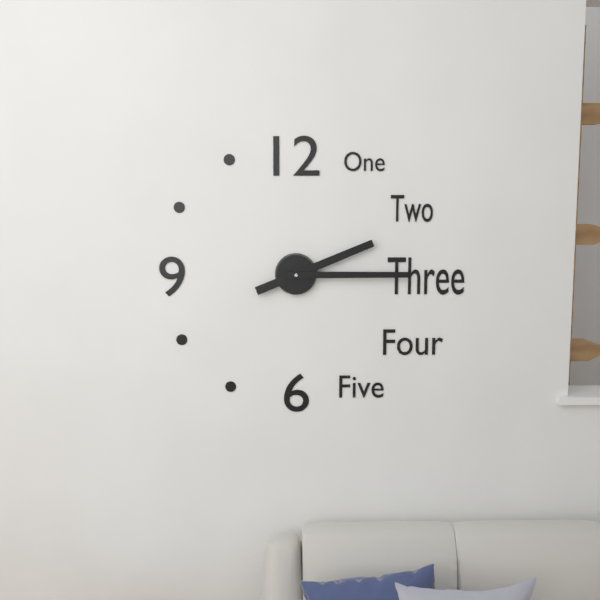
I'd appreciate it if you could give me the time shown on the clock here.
2:15
